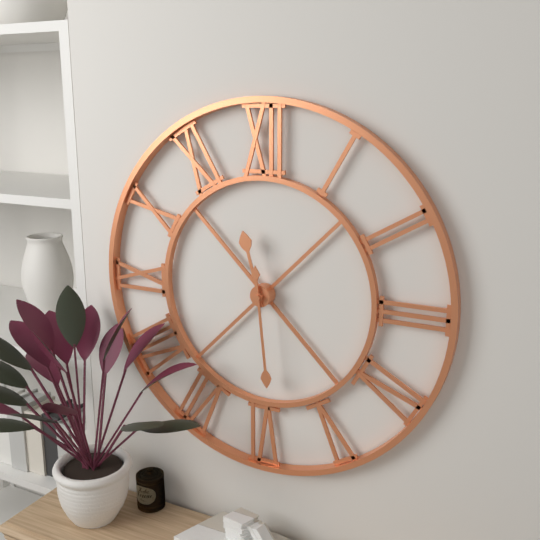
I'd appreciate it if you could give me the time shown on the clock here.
11:29
